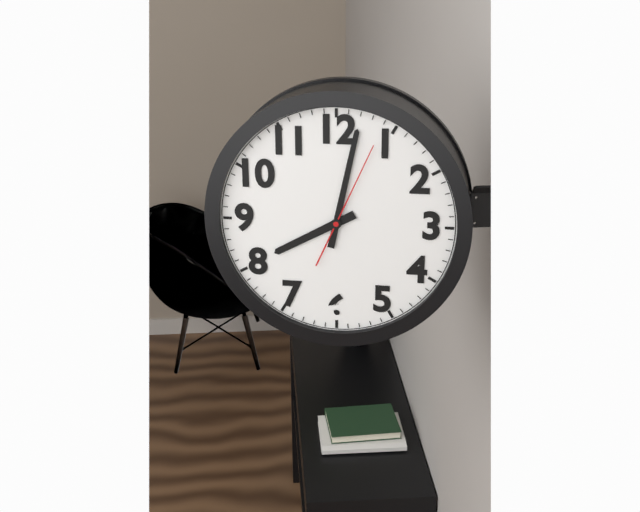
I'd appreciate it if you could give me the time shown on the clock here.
8:02:04
